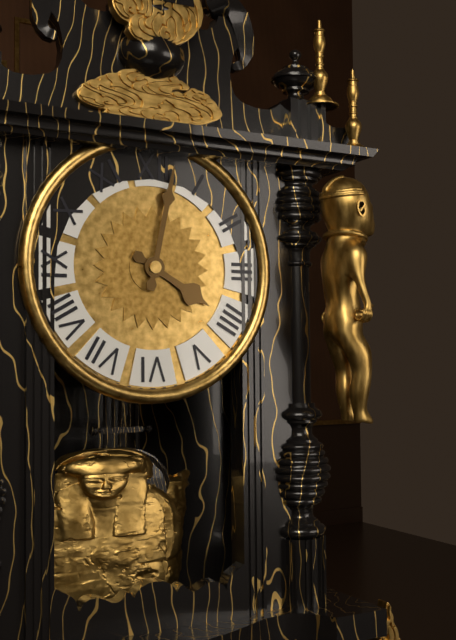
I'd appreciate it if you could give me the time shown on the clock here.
4:02
